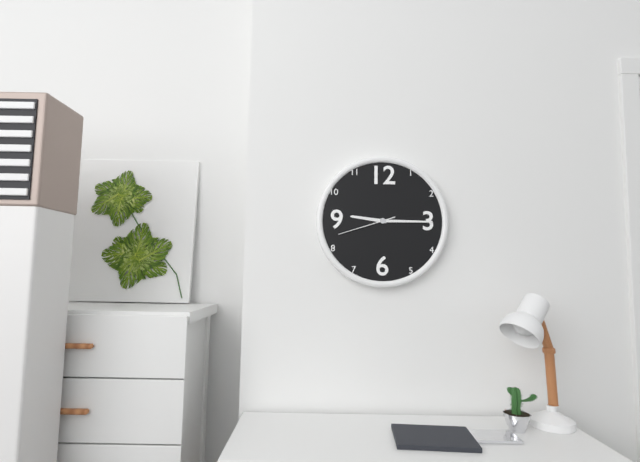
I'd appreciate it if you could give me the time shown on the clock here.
9:15:42
